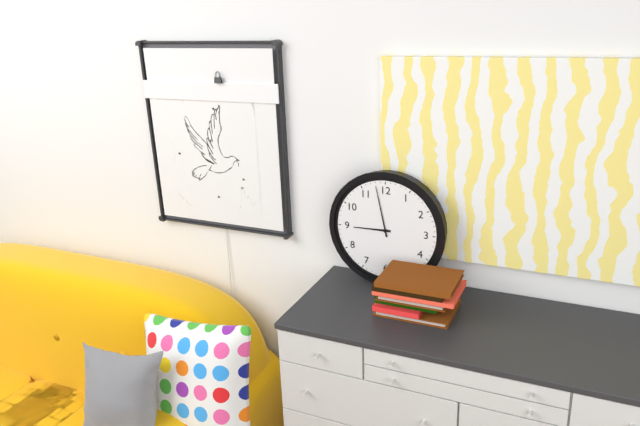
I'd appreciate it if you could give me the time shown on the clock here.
8:58
